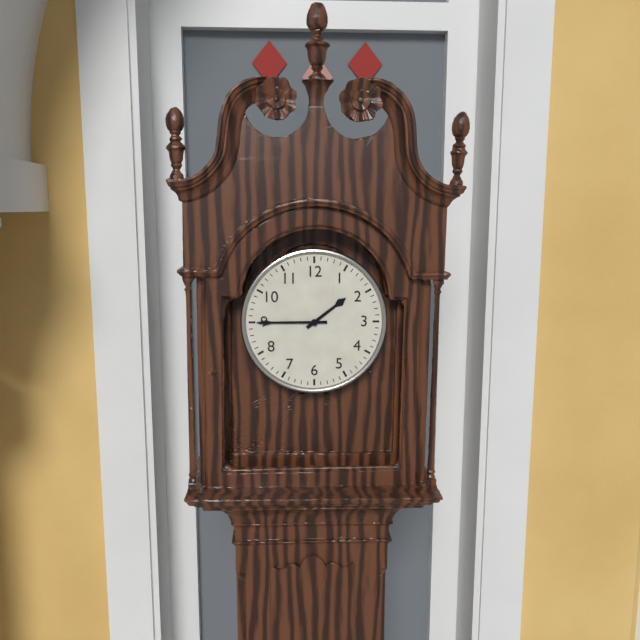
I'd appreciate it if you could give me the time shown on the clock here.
1:45
